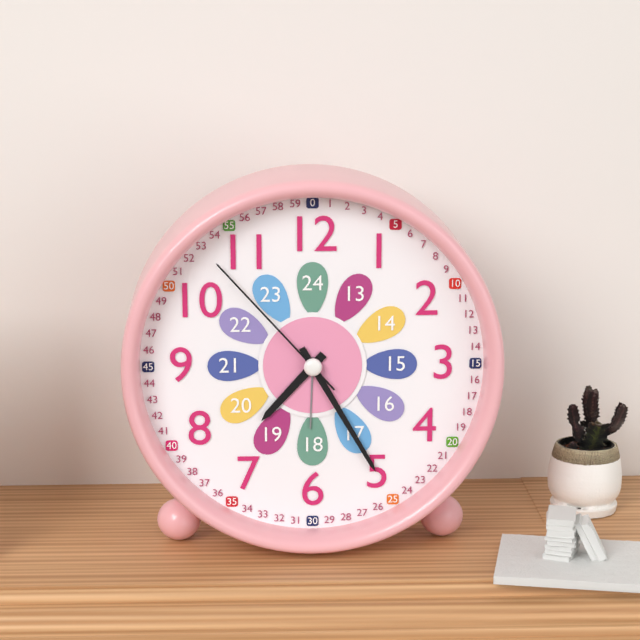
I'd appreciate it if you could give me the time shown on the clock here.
7:25:53
